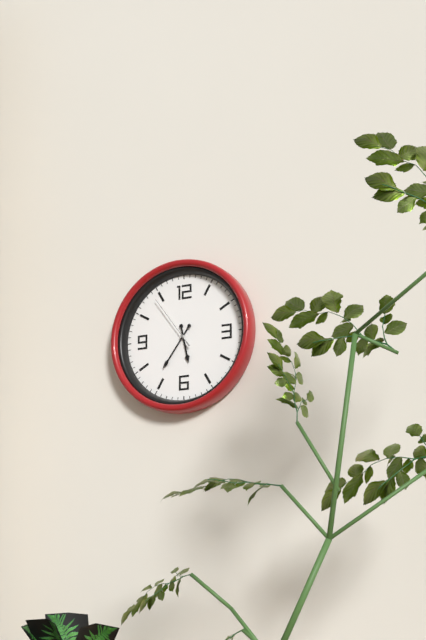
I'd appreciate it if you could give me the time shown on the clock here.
5:36:54
